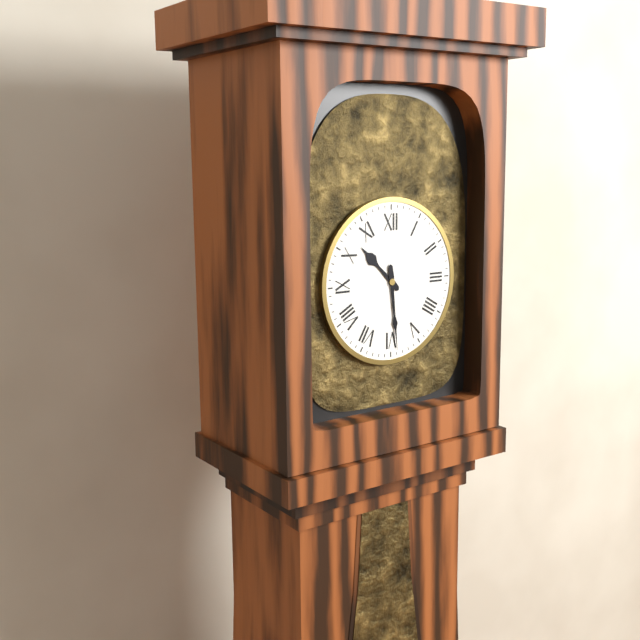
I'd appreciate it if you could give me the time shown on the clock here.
10:29
